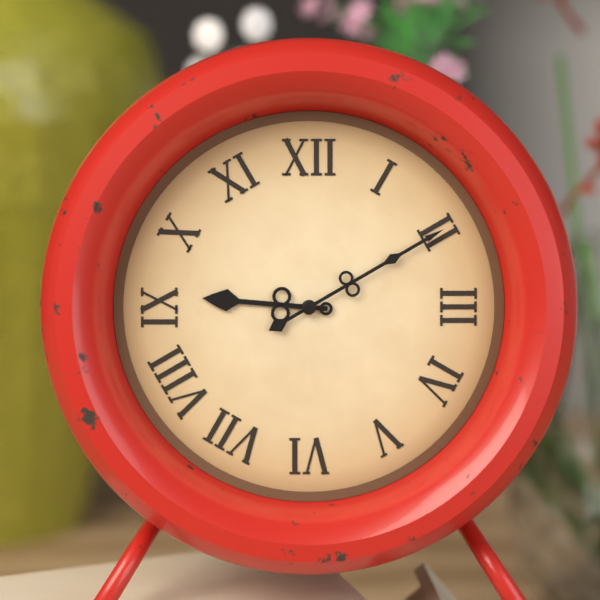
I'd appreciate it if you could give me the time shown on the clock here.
9:10
